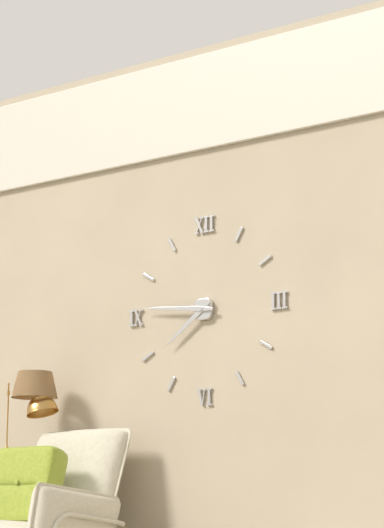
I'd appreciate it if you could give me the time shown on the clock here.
7:46
